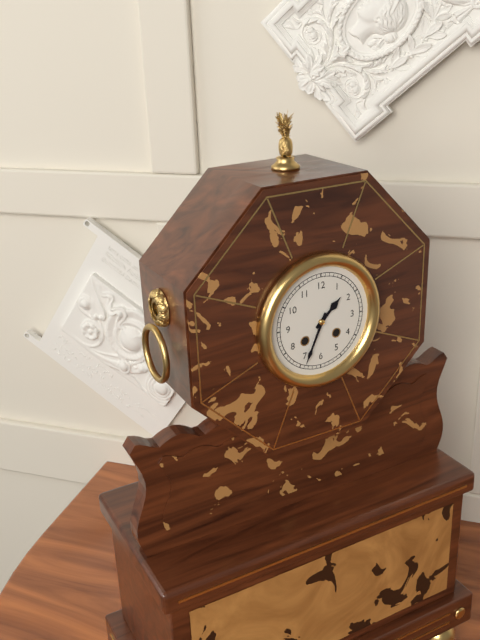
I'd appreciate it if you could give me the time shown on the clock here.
1:34
